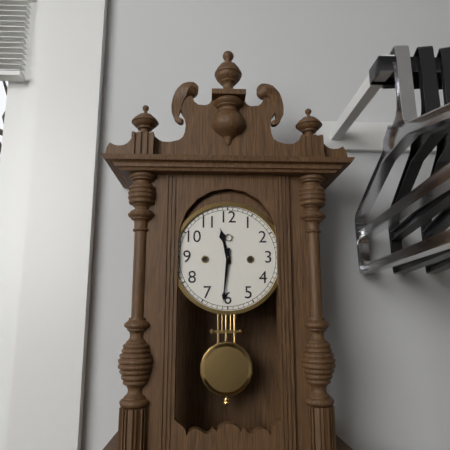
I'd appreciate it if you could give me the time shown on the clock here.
11:31
